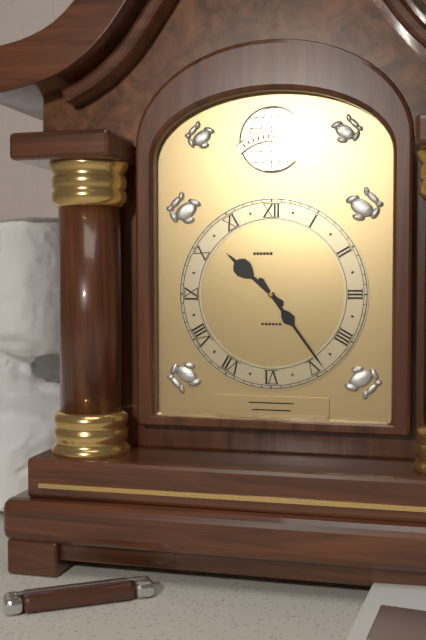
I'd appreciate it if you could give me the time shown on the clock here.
10:24
